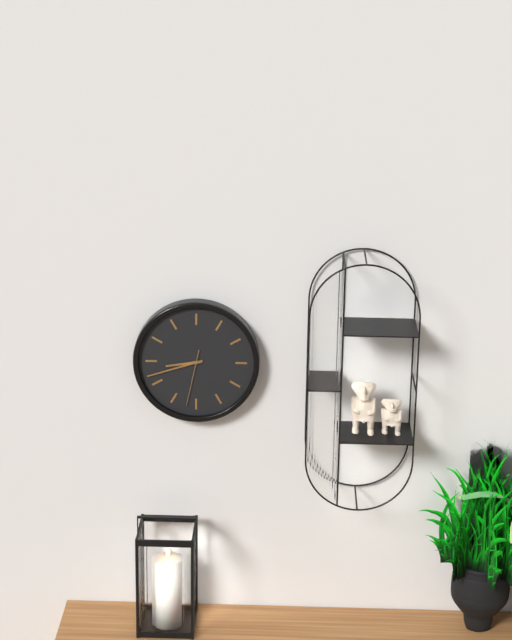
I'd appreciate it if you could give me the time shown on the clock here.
8:42:32
